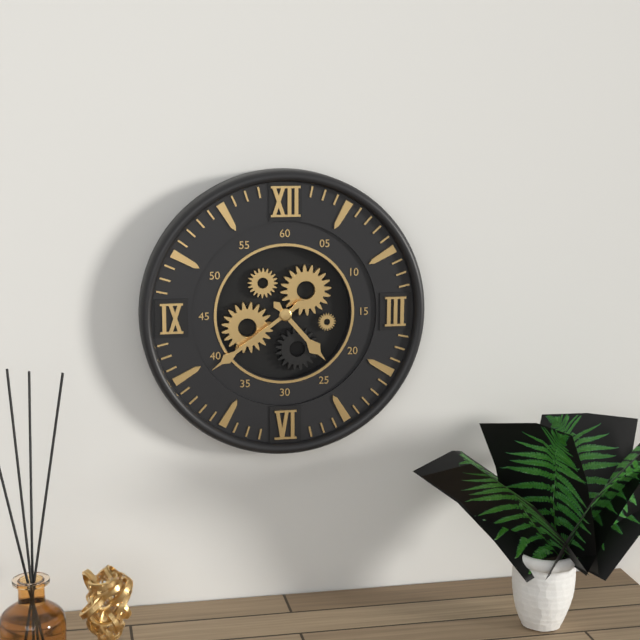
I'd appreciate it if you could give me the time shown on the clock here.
4:39
